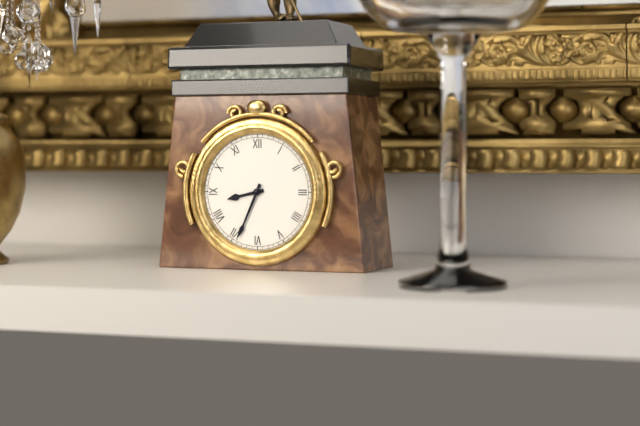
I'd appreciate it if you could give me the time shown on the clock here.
8:34
